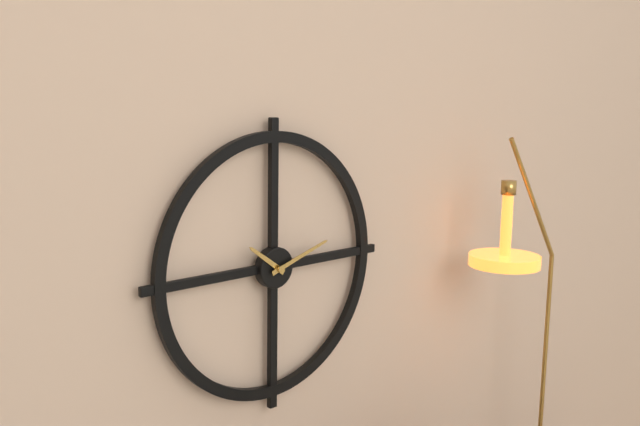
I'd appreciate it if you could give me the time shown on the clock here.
10:12
